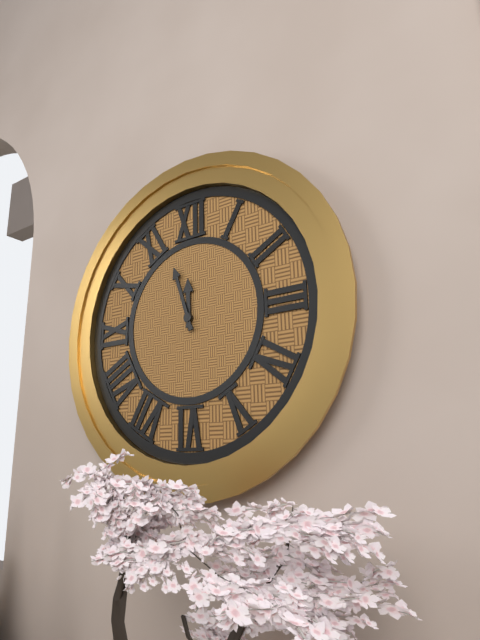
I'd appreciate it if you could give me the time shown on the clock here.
11:57
